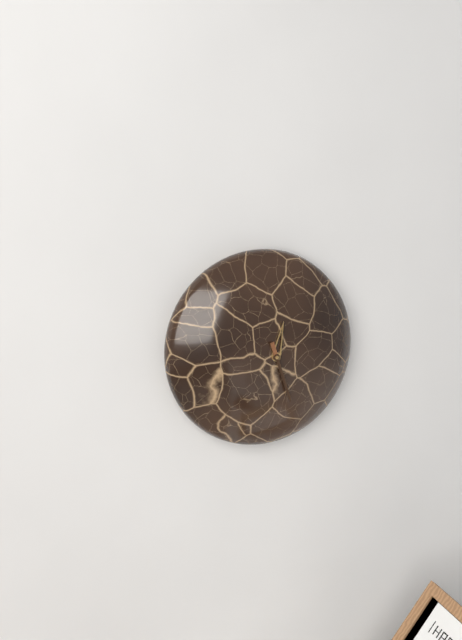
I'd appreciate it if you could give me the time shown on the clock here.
12:27
